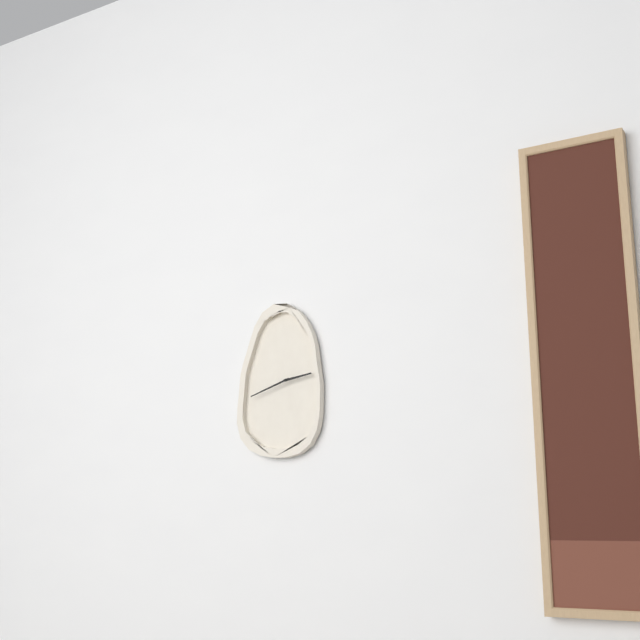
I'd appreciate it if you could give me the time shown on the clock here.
2:42
